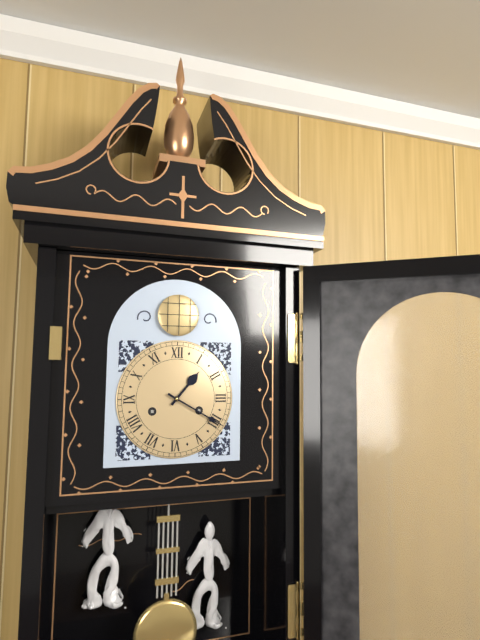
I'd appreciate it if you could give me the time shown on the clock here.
1:20
